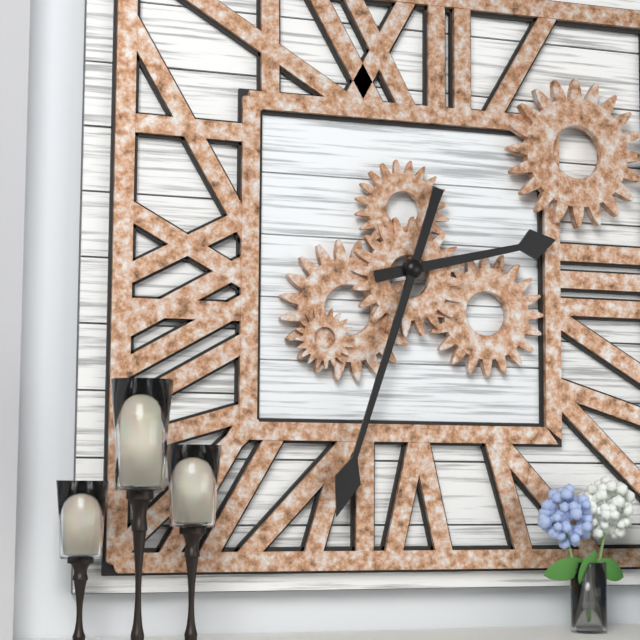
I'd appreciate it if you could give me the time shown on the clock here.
2:33
